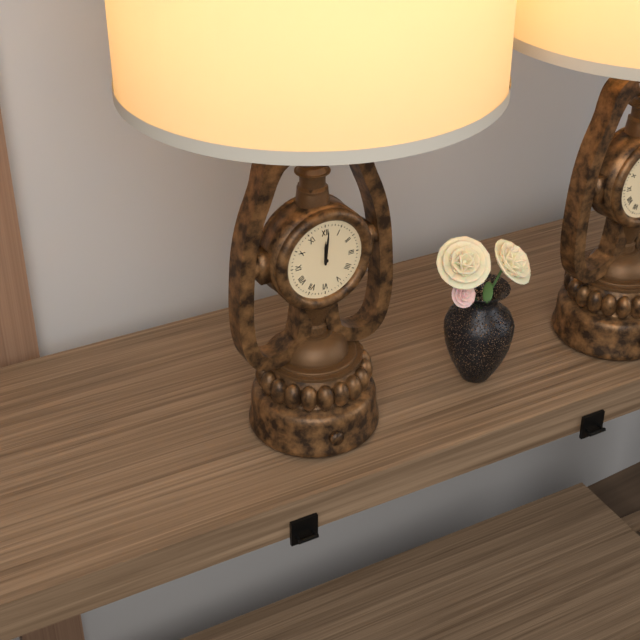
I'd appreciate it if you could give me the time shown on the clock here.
12:01
